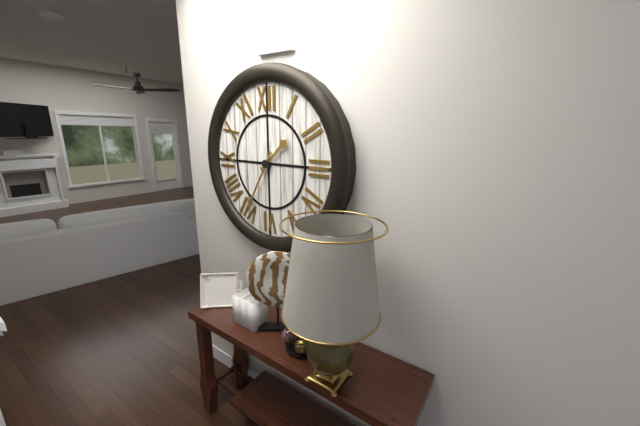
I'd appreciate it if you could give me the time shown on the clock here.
1:35
